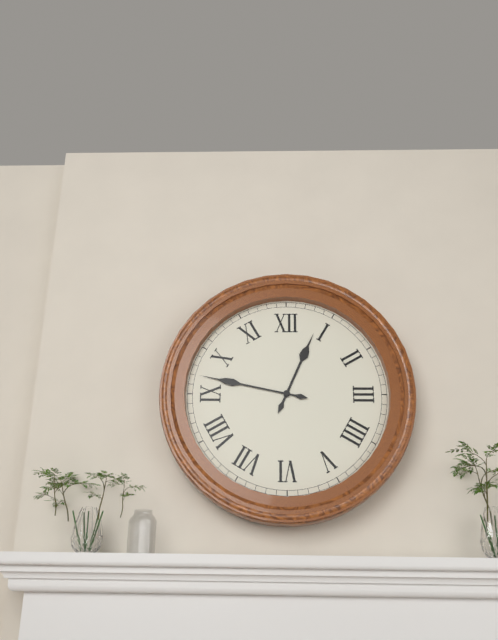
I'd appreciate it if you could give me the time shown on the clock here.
12:47
